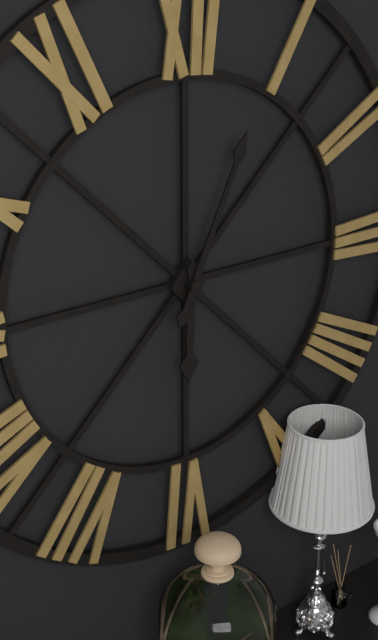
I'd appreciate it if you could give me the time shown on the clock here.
6:04
